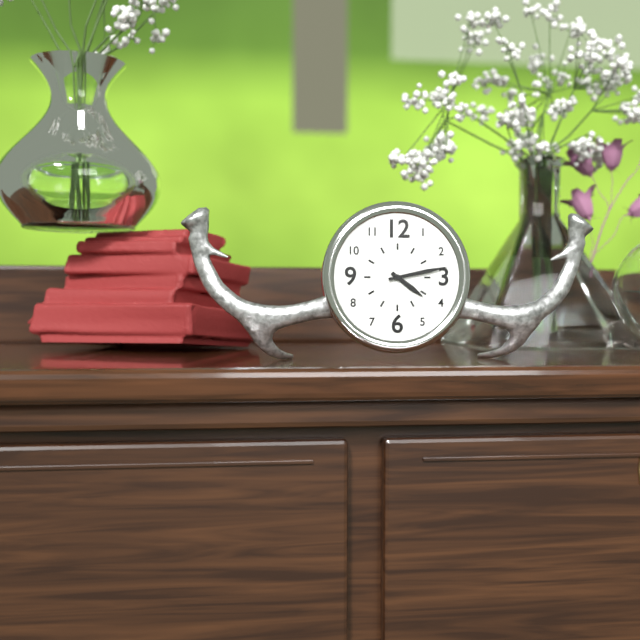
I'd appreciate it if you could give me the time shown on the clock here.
4:13
